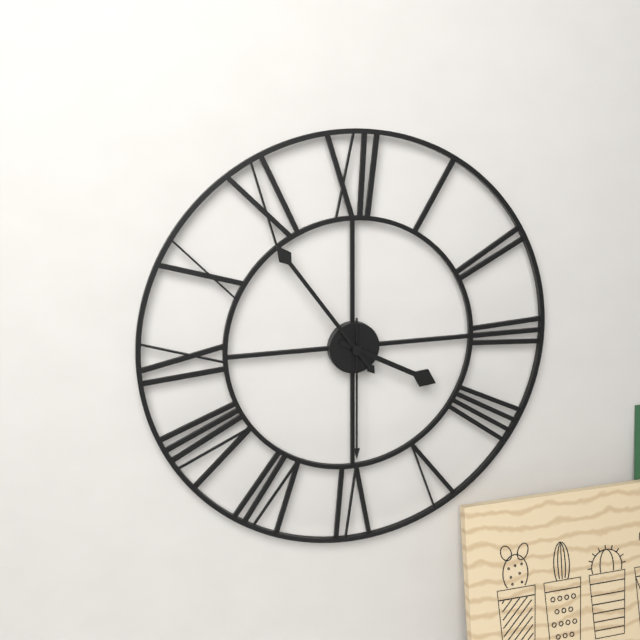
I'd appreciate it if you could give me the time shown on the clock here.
3:54:30
